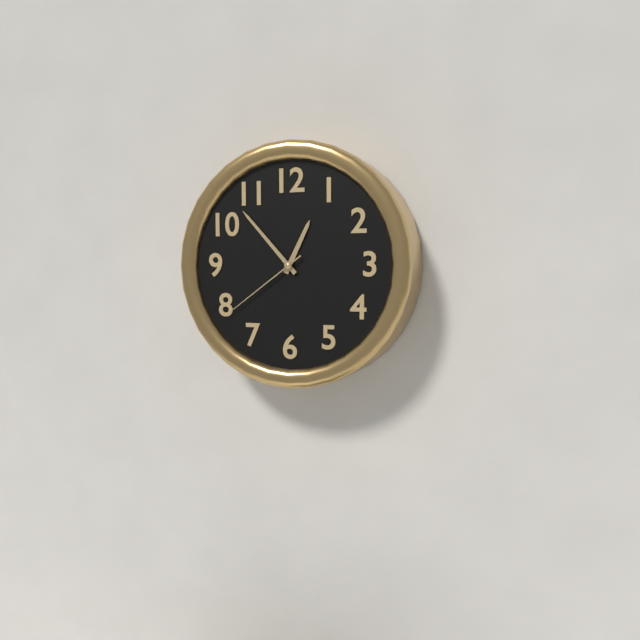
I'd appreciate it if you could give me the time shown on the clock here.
12:53:39
